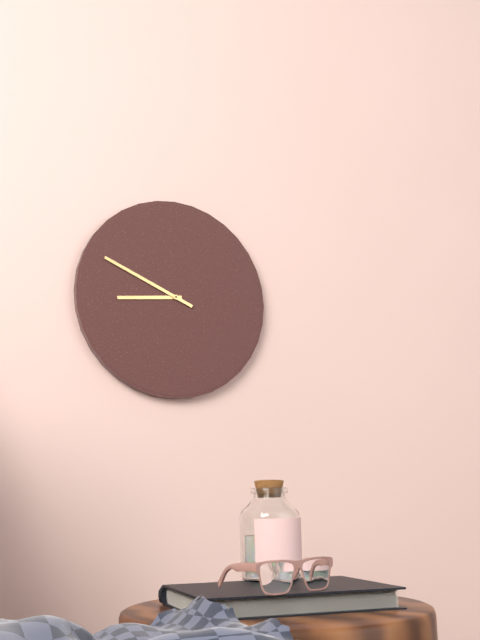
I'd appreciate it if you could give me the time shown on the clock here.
8:49
